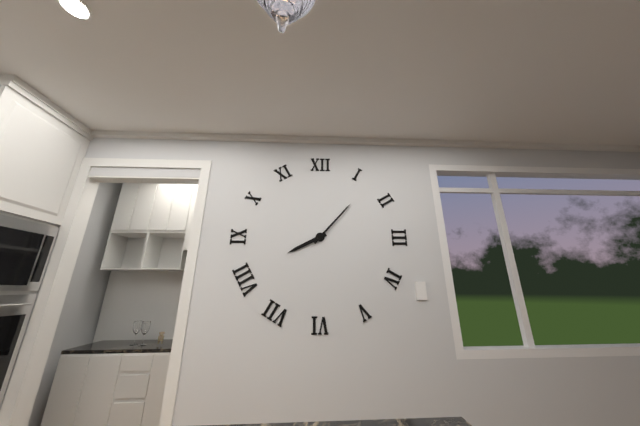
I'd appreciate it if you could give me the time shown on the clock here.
8:07
